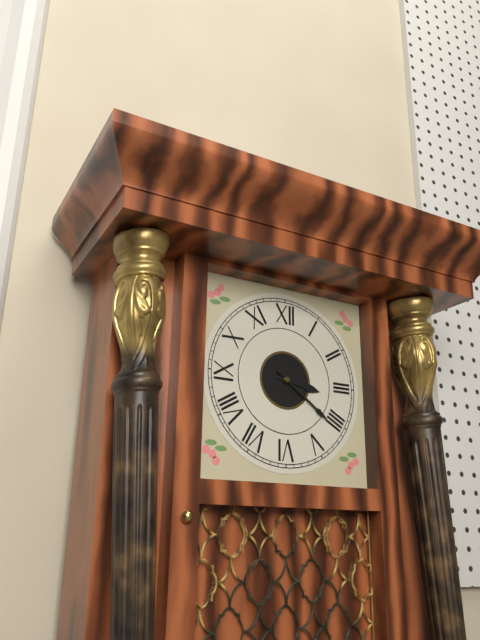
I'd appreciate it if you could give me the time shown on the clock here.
3:21
